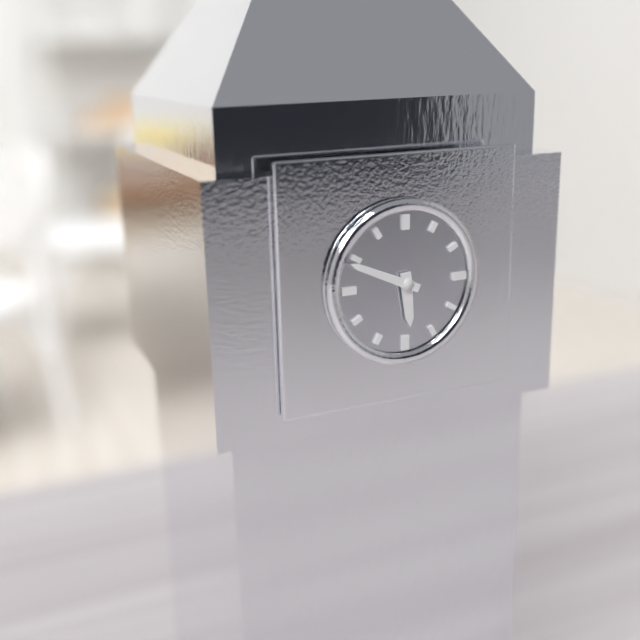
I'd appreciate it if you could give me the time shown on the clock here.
5:49
